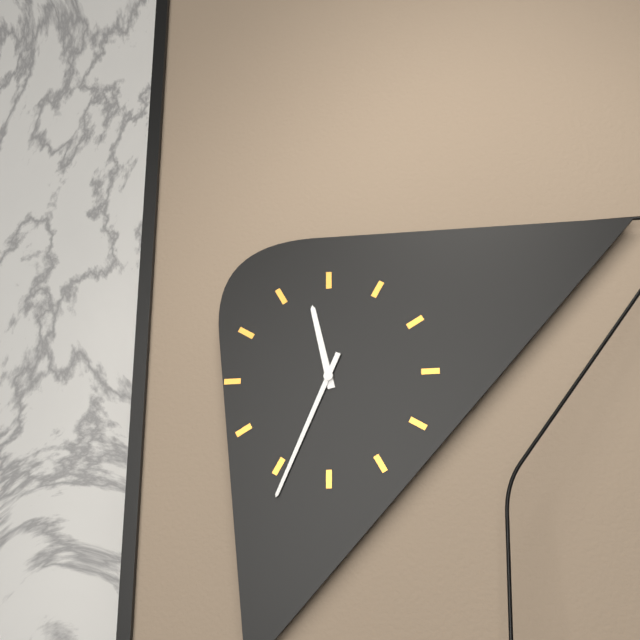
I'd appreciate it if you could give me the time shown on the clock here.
11:34
